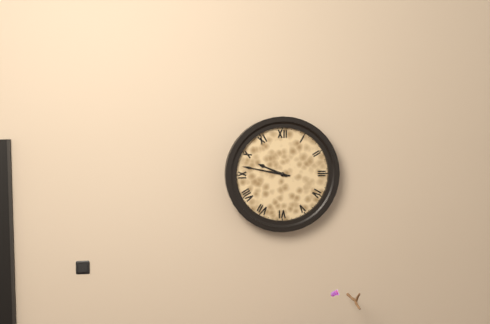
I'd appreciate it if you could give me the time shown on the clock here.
9:47
